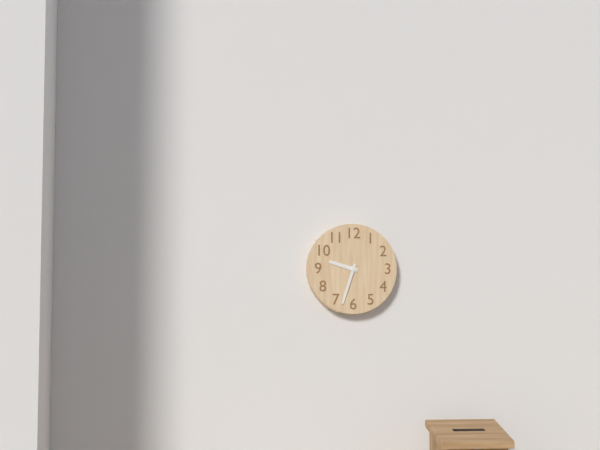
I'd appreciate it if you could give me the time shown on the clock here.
9:33
